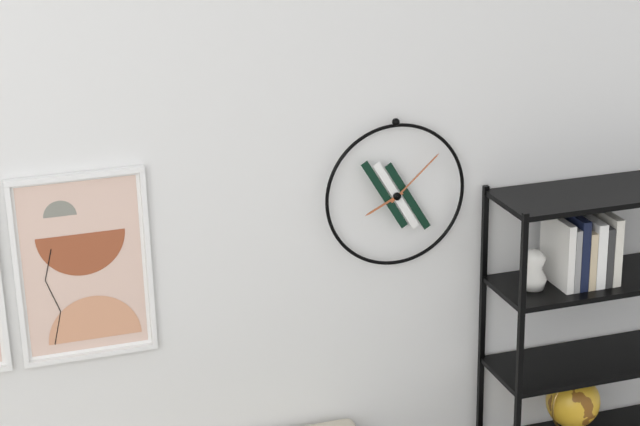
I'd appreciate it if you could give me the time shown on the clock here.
8:08
